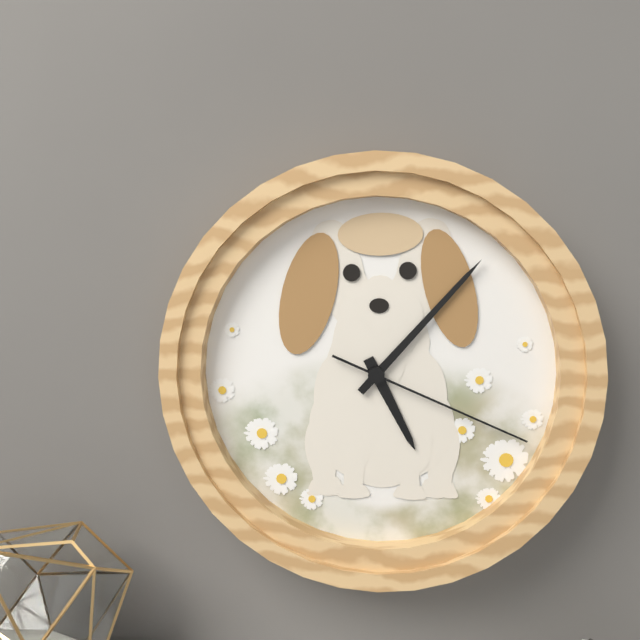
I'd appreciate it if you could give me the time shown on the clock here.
5:07:19
